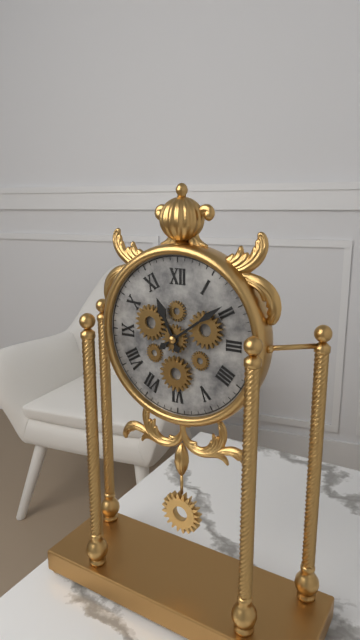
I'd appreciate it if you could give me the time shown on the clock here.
11:09
